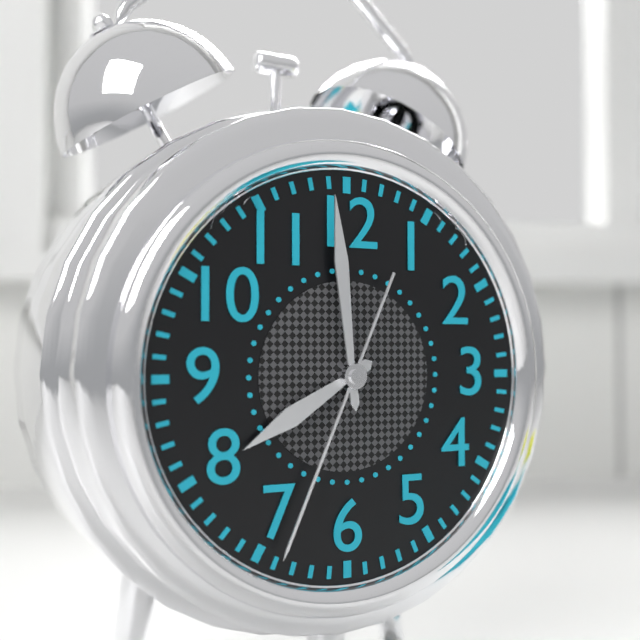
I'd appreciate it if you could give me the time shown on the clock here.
7:59:34
